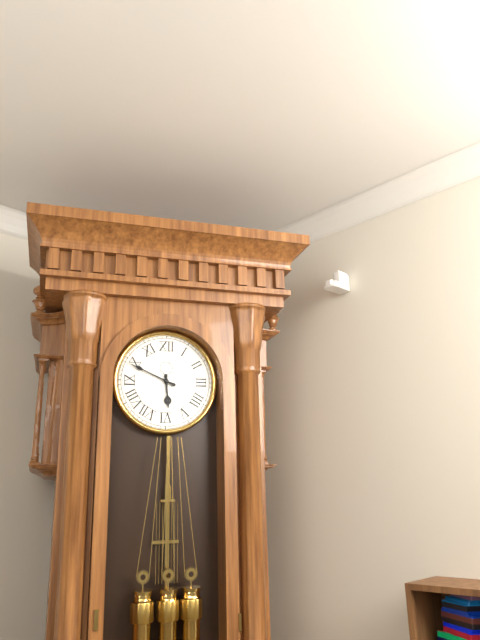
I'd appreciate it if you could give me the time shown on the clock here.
5:49
